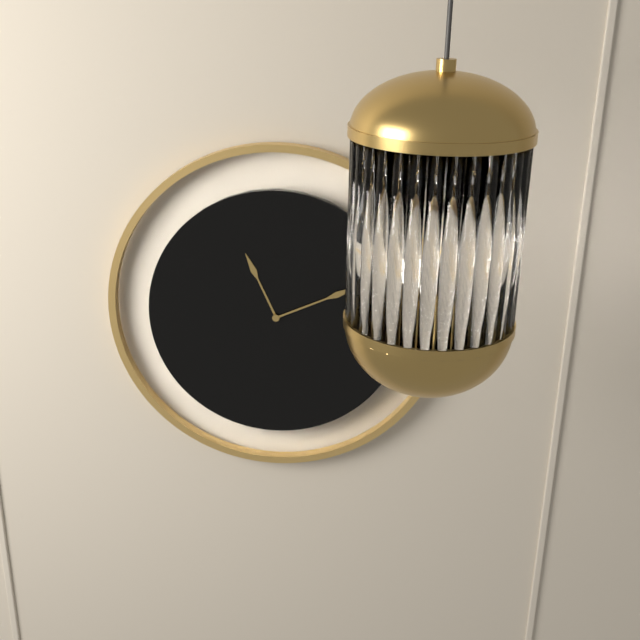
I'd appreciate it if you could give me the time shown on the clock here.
11:11
